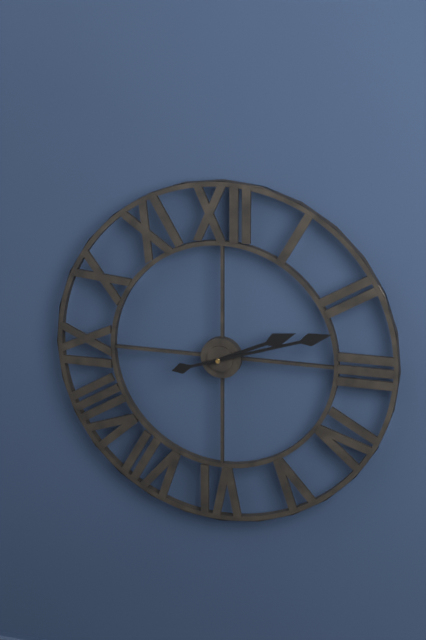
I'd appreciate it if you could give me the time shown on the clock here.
2:12
